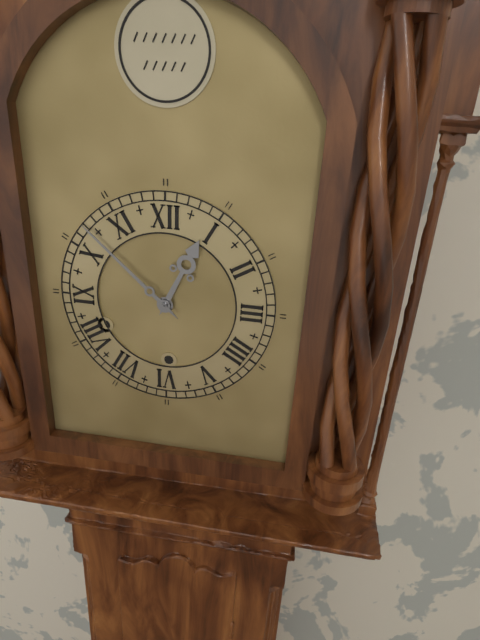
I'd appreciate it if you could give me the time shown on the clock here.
12:52
